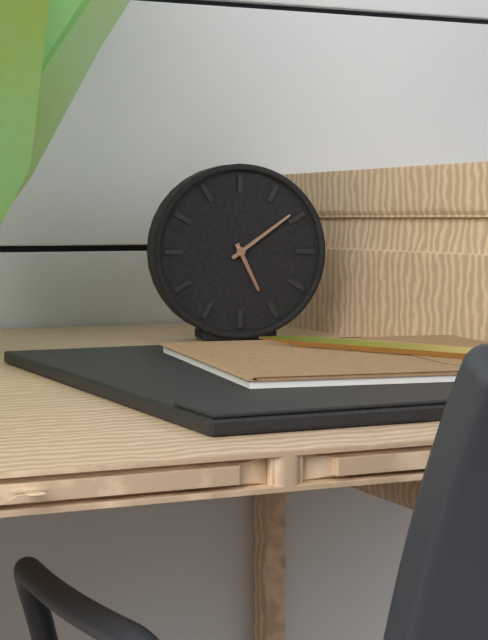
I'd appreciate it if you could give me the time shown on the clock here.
5:09
